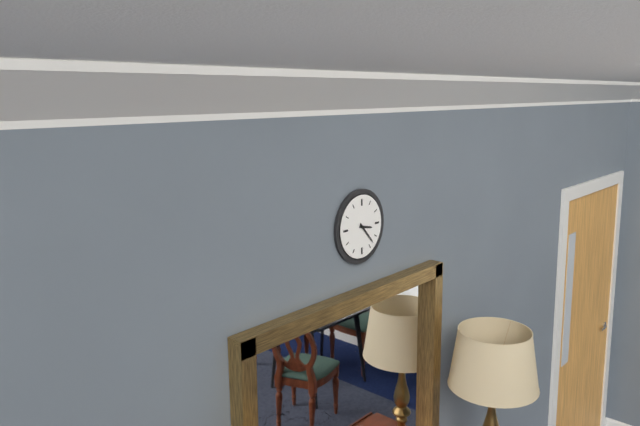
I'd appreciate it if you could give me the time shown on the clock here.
3:23
